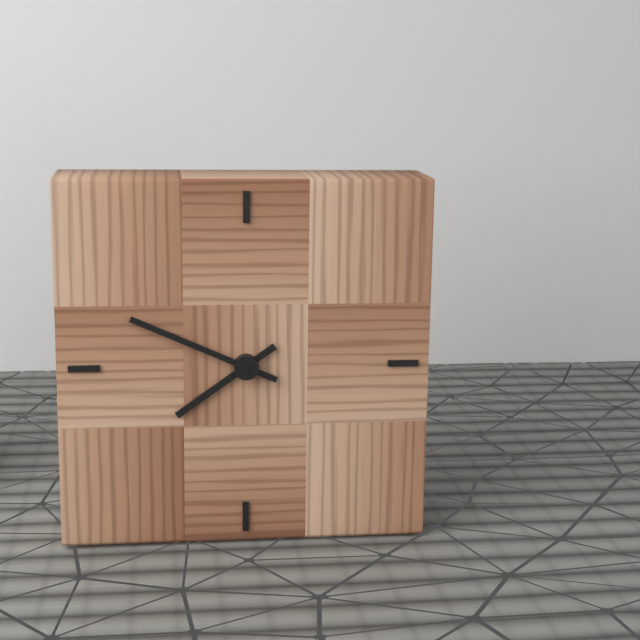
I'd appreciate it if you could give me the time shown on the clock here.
7:49
